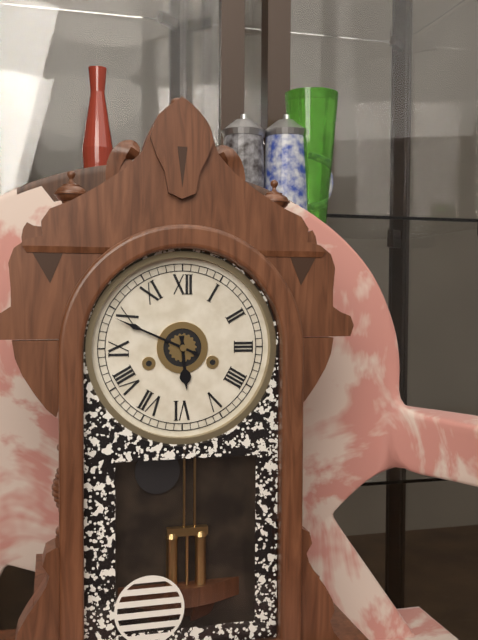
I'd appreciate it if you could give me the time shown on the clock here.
5:49
